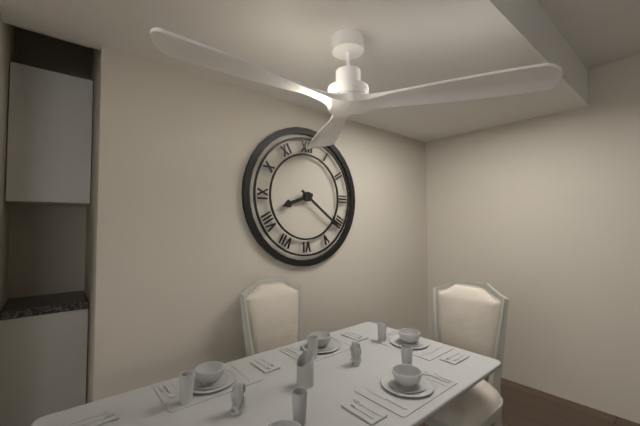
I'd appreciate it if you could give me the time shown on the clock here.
8:21
